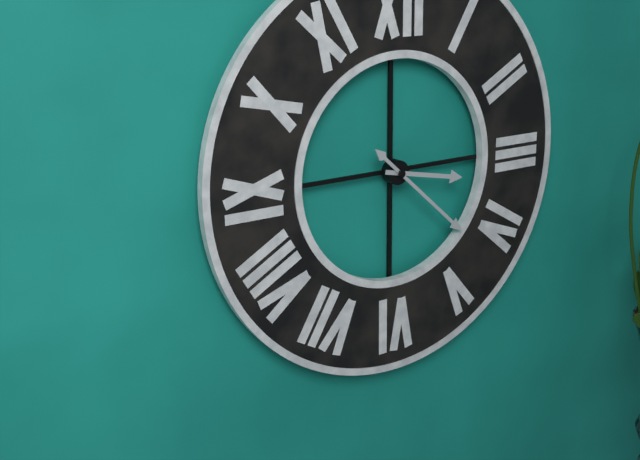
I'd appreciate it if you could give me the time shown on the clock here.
3:22
